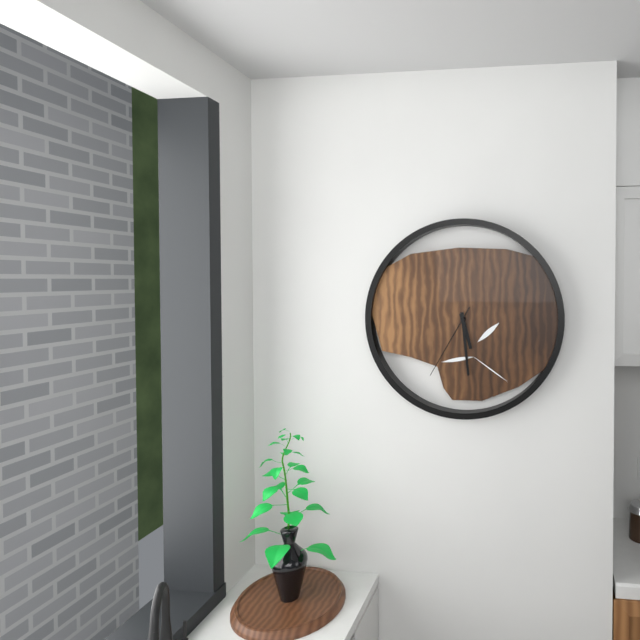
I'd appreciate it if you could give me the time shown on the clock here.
5:29:35
